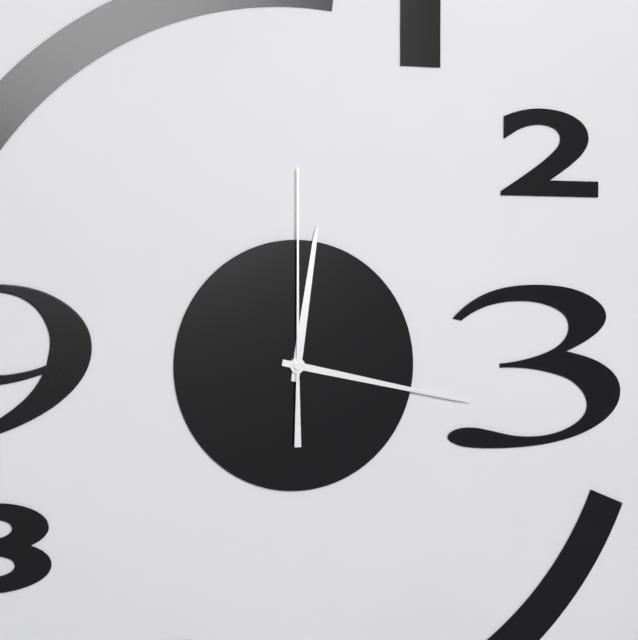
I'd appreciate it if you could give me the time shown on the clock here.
12:17:00
